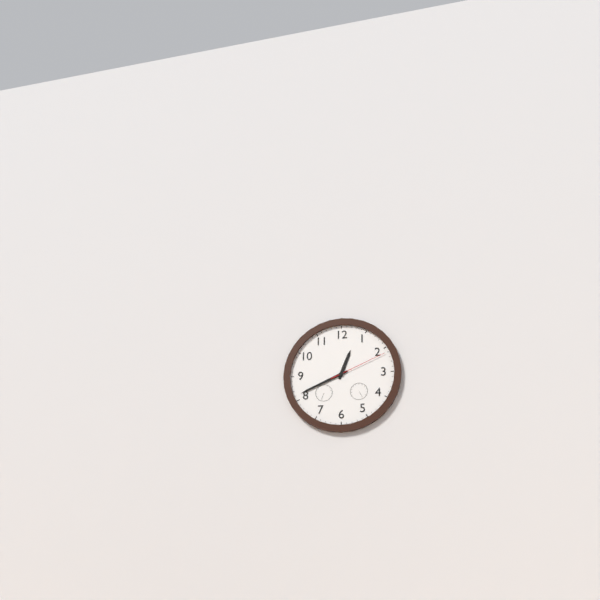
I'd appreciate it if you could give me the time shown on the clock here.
12:41:11
